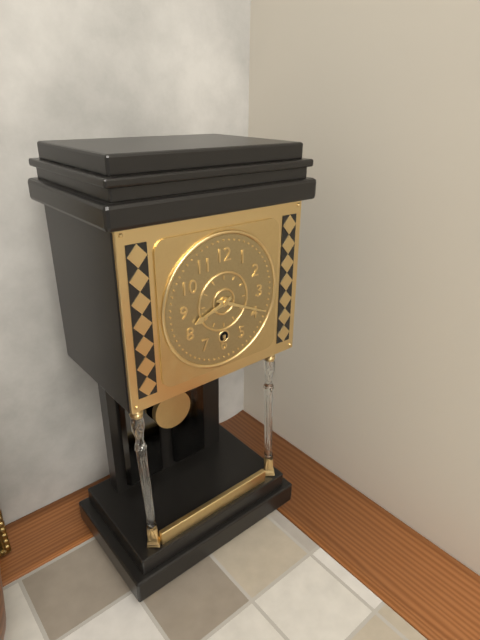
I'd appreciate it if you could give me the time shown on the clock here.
8:19
